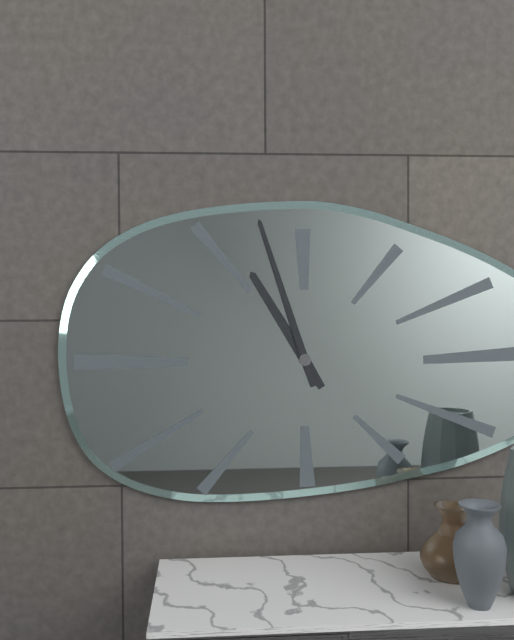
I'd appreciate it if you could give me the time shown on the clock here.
10:57
